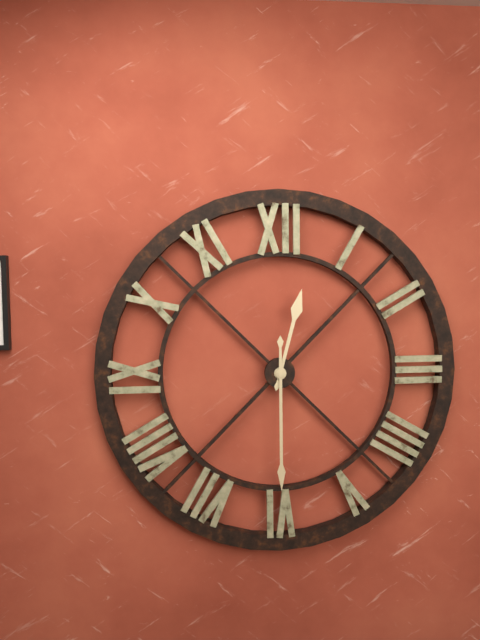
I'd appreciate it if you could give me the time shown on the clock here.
12:30
